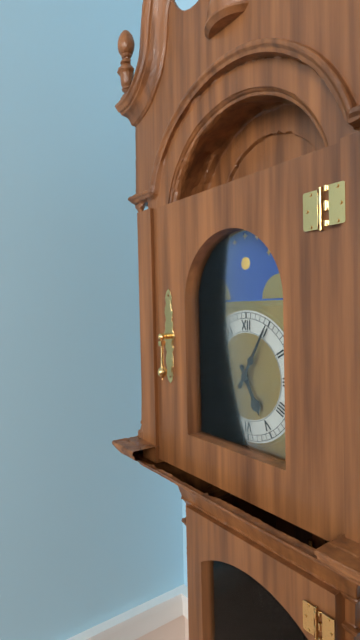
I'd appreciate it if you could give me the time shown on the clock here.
5:05
